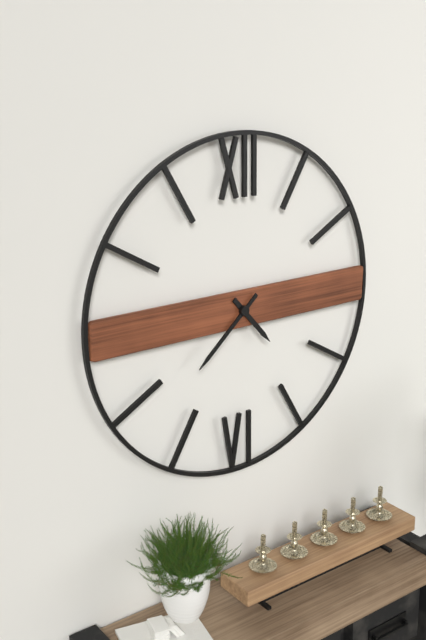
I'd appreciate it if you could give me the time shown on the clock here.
4:38
